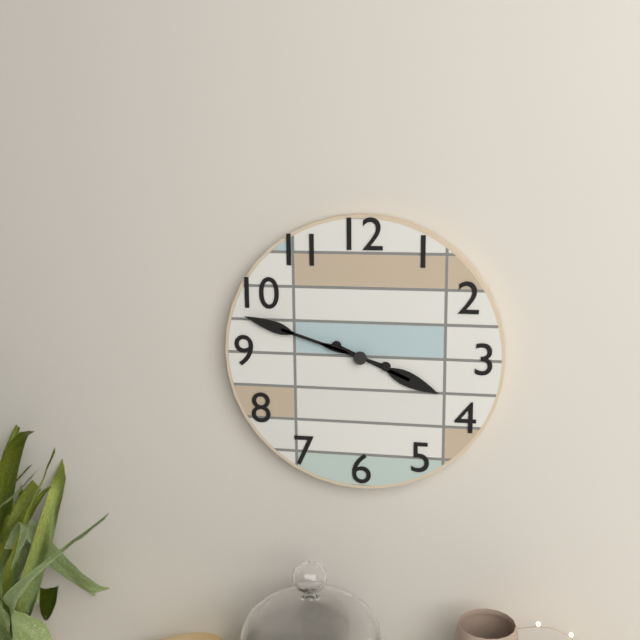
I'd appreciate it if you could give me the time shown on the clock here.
3:48
